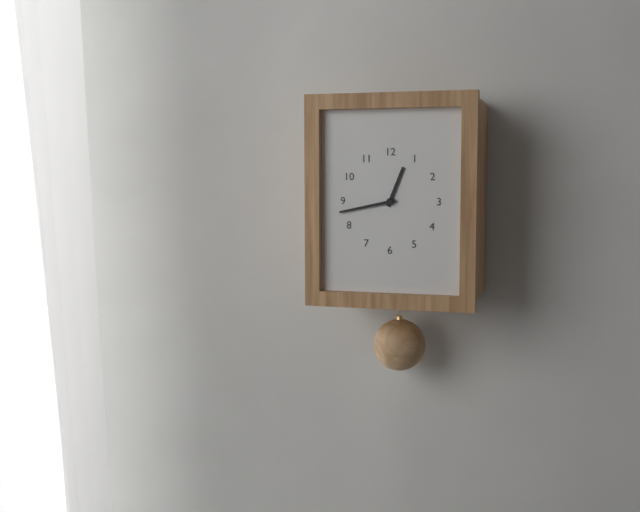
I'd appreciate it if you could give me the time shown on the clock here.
12:43
